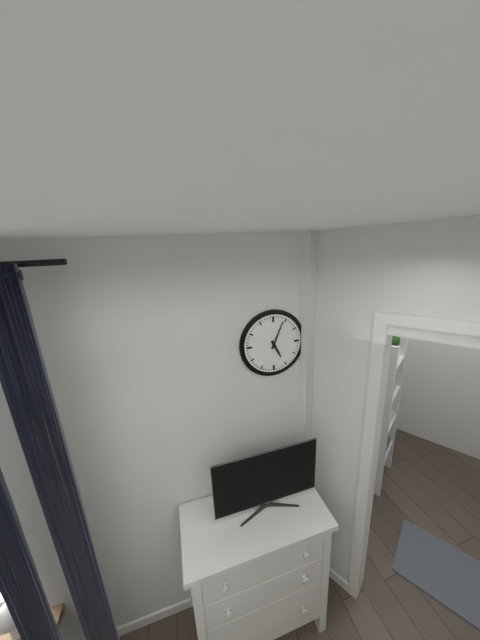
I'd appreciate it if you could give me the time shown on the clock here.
5:04
